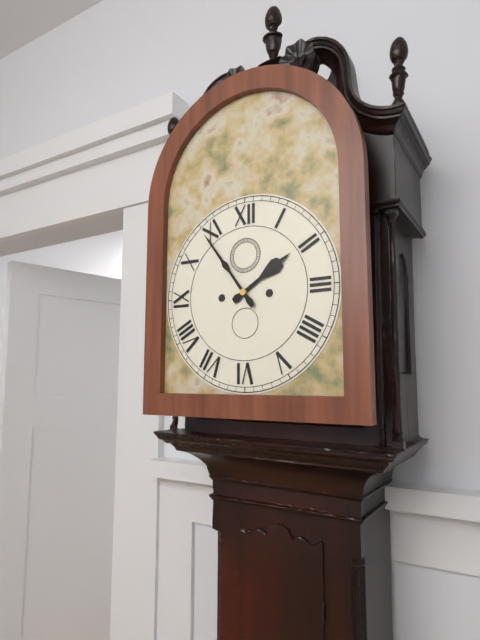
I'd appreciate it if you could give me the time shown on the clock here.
1:54
